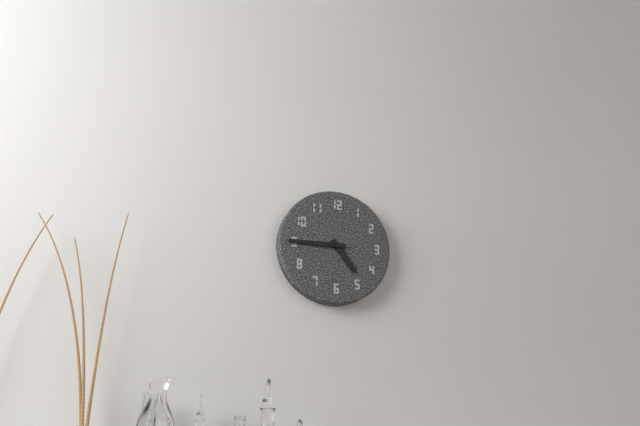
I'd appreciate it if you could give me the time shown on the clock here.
4:45
